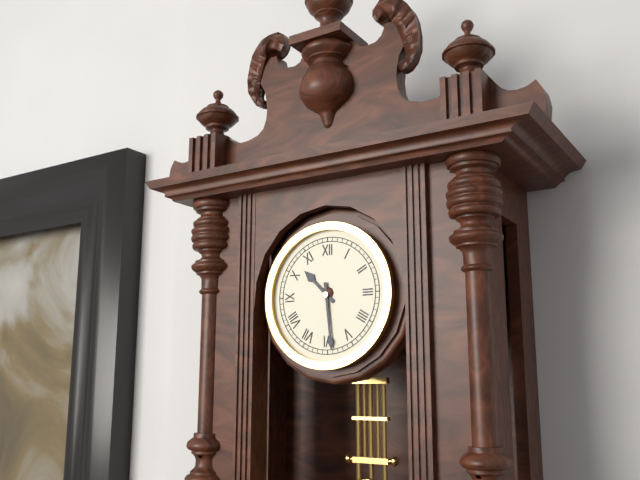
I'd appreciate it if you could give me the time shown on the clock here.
10:29
